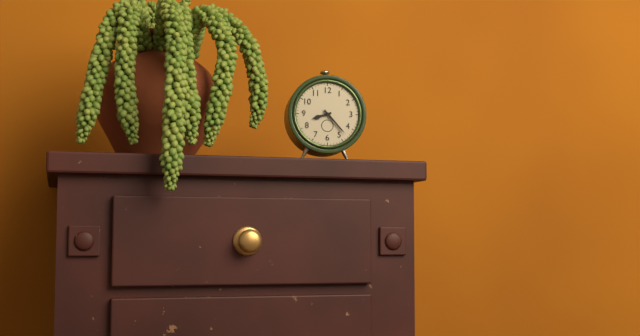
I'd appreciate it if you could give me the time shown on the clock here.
8:23
